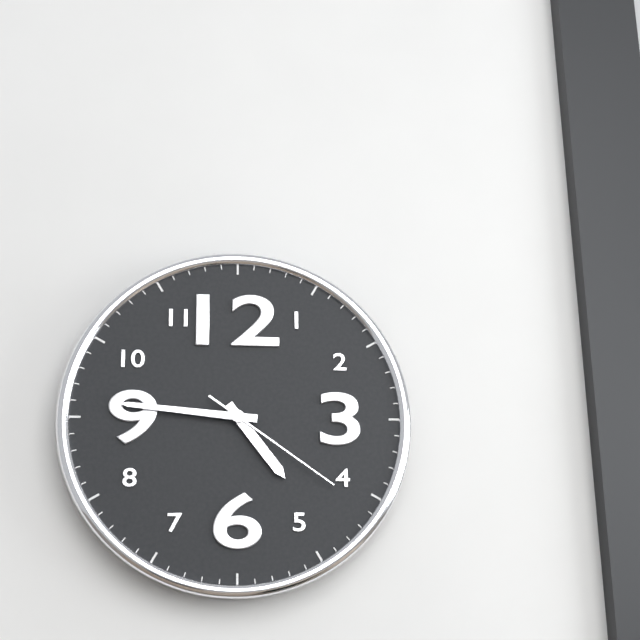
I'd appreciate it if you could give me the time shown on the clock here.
4:46:21
